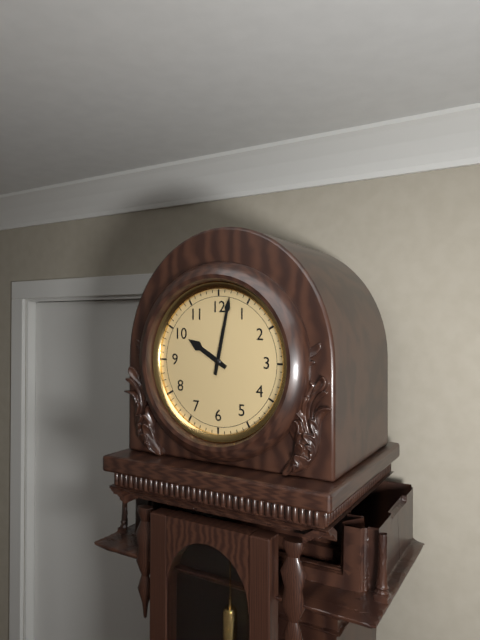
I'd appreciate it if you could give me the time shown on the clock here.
10:02
